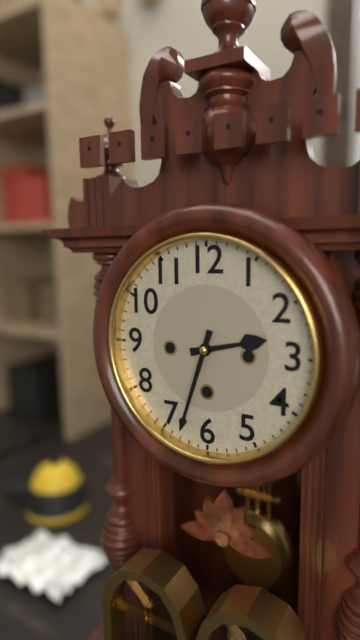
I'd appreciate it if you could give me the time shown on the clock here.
2:33
